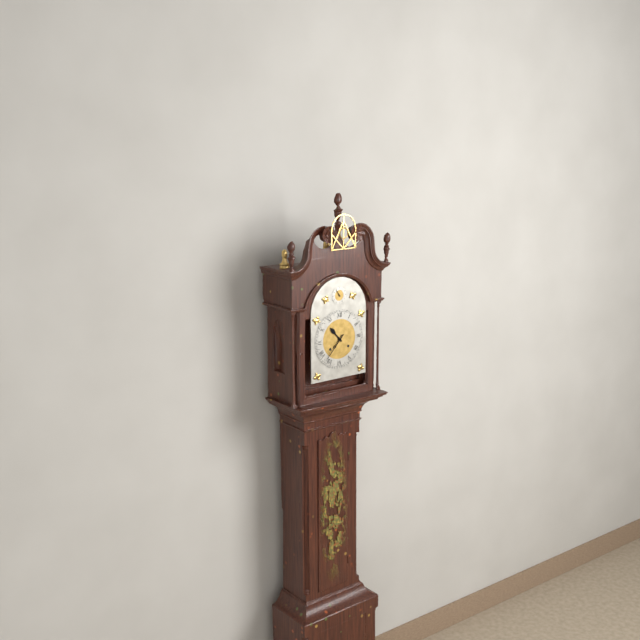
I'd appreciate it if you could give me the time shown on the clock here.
10:37
